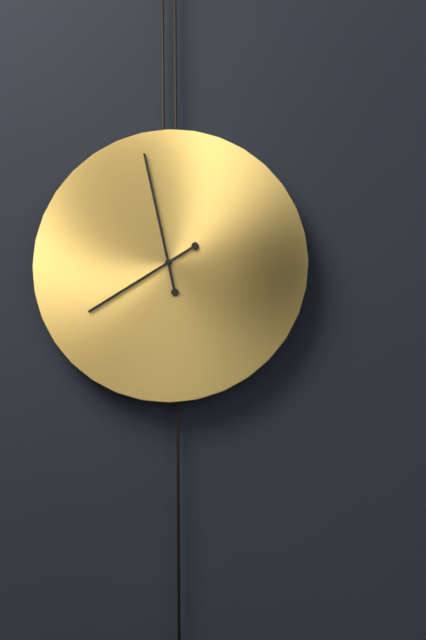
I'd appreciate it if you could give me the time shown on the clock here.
7:58
